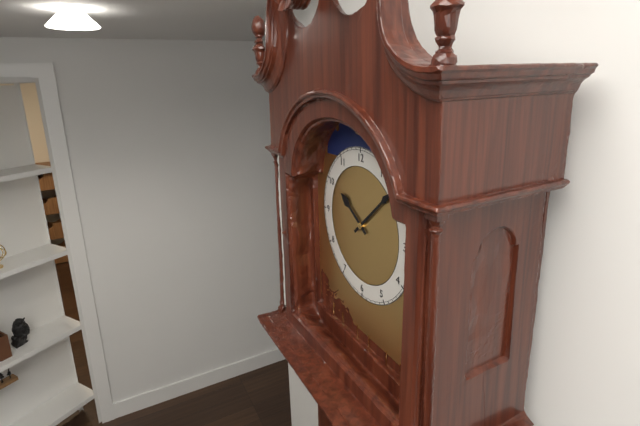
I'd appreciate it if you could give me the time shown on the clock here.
10:08
